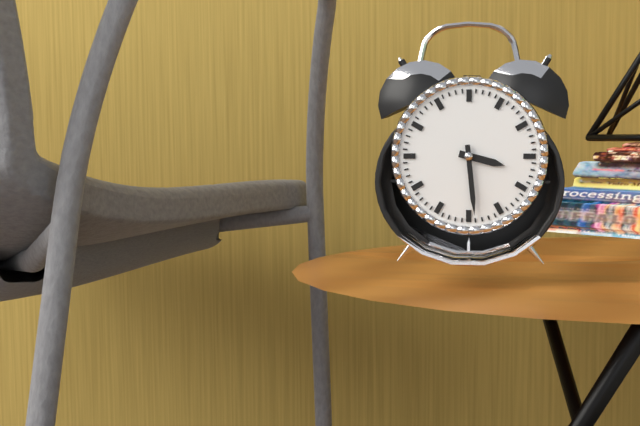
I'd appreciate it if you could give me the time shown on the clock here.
3:29
